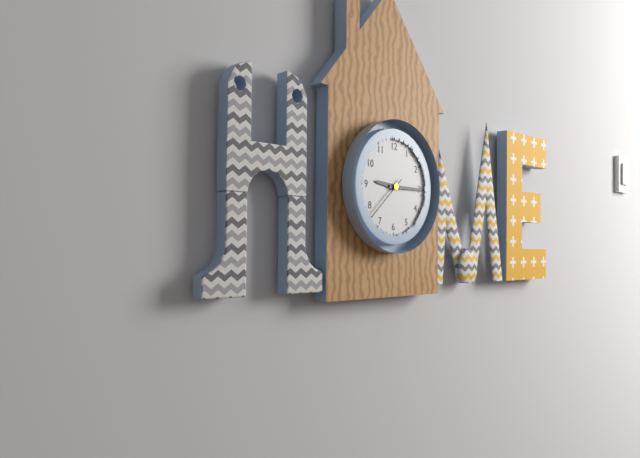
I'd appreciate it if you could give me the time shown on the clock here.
9:15
